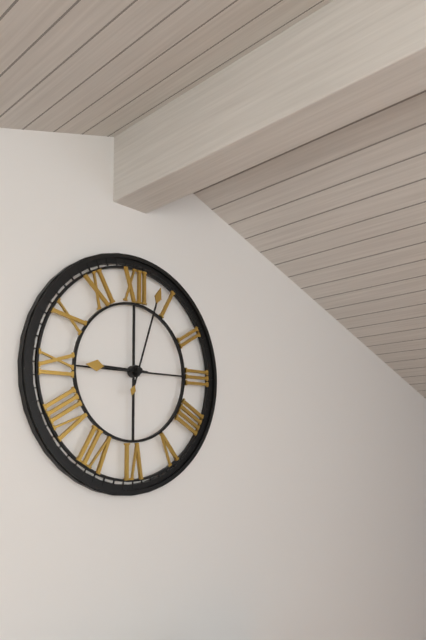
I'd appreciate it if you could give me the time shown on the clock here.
9:03
